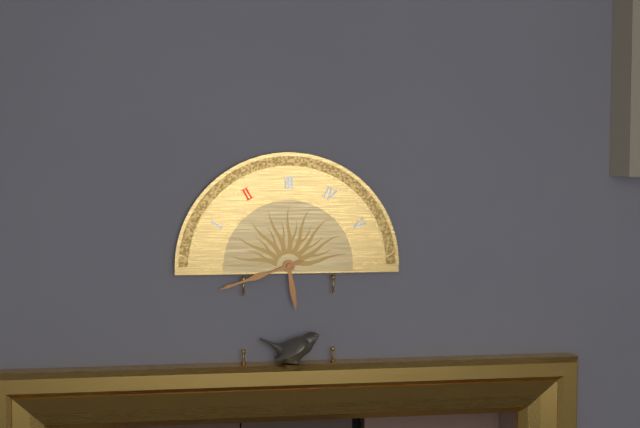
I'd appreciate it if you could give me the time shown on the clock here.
5:42
